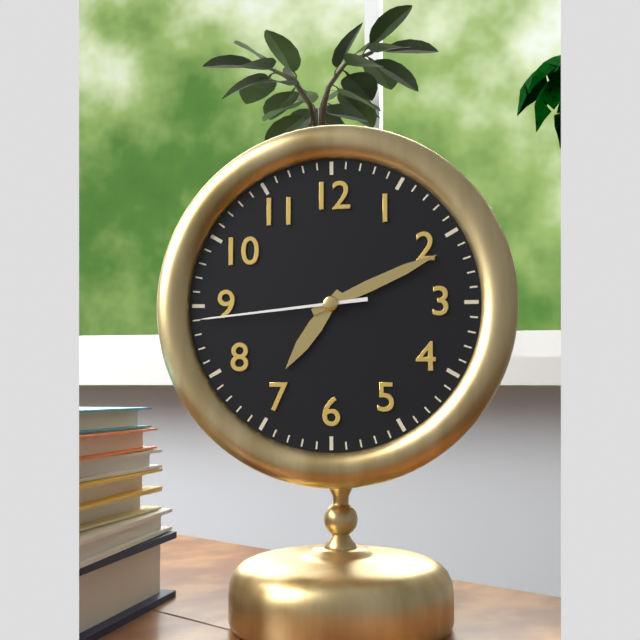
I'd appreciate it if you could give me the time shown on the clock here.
7:11:44
